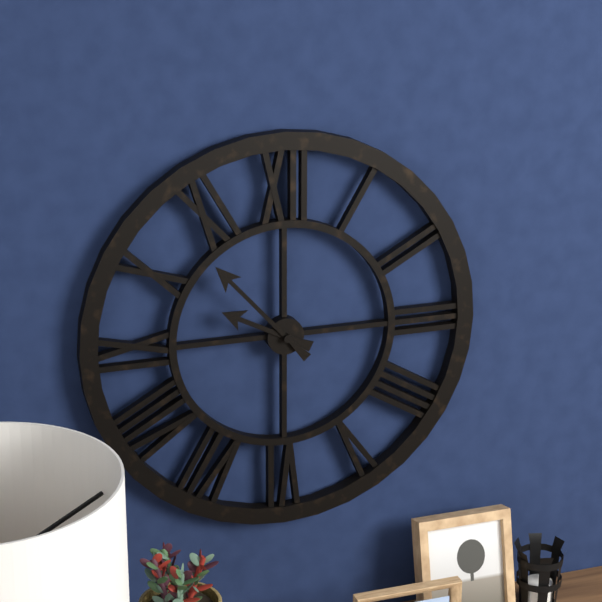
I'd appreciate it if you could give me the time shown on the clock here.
9:53
